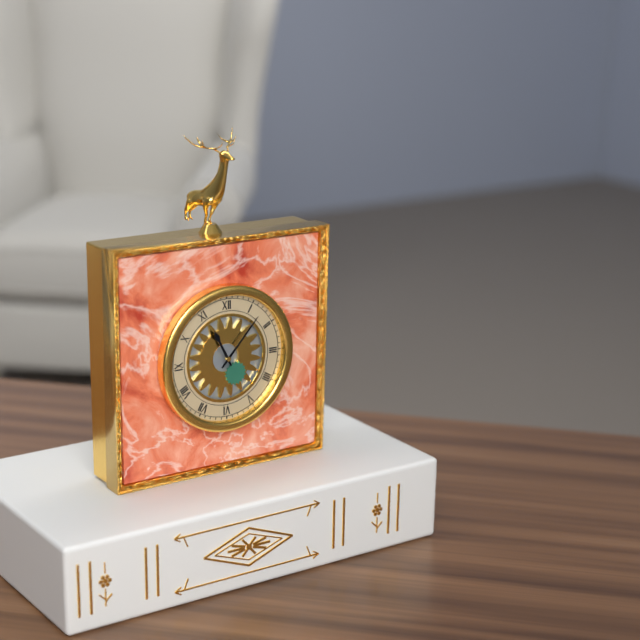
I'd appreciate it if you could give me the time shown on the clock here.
11:07
